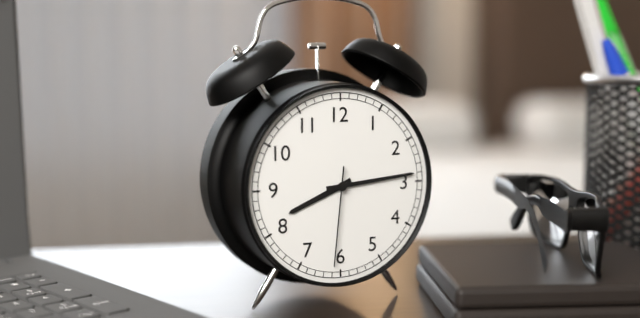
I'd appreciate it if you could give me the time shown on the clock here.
8:14:31
